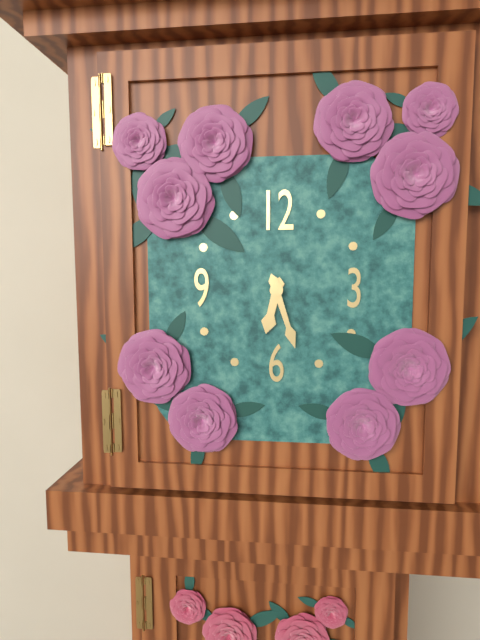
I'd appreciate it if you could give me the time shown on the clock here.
6:27
